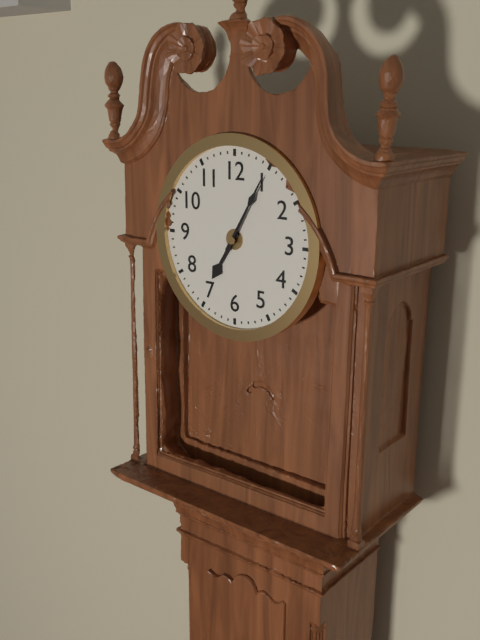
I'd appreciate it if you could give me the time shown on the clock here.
7:05
